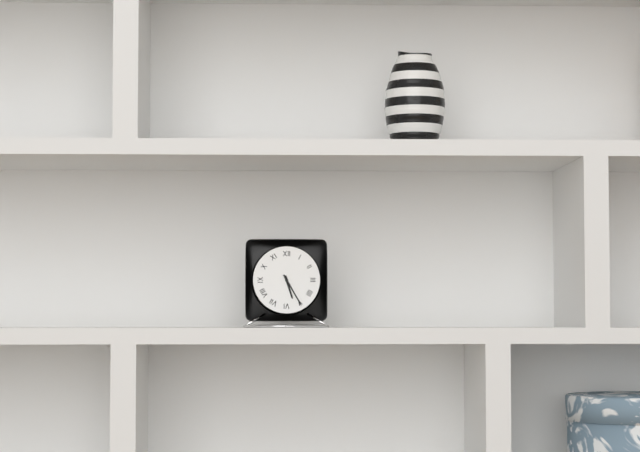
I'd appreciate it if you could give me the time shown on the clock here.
5:25
